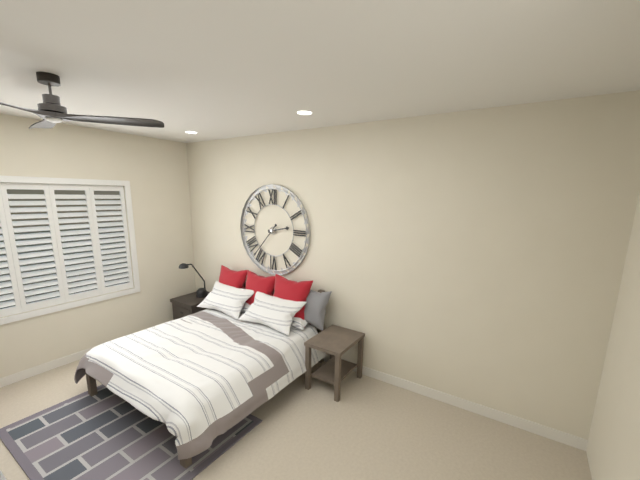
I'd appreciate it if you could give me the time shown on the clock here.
2:37
